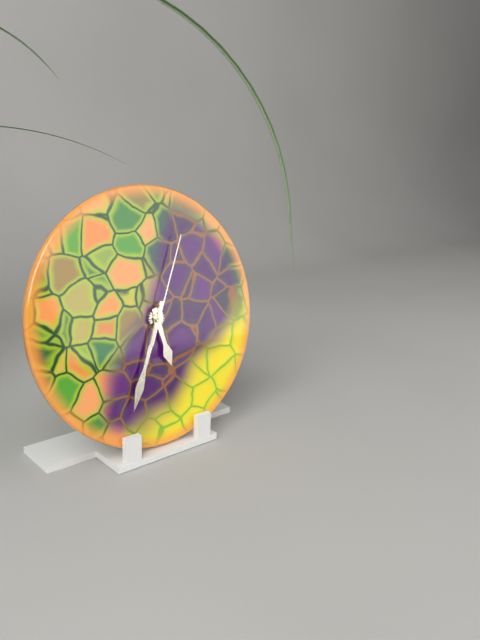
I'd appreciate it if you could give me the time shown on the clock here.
5:34:04
